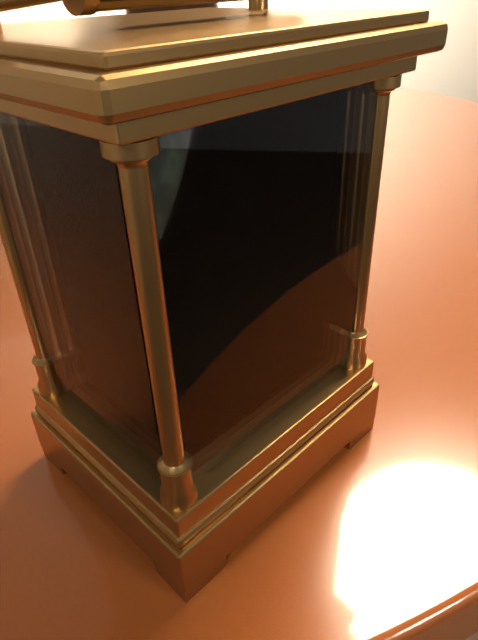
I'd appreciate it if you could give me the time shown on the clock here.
2:55
